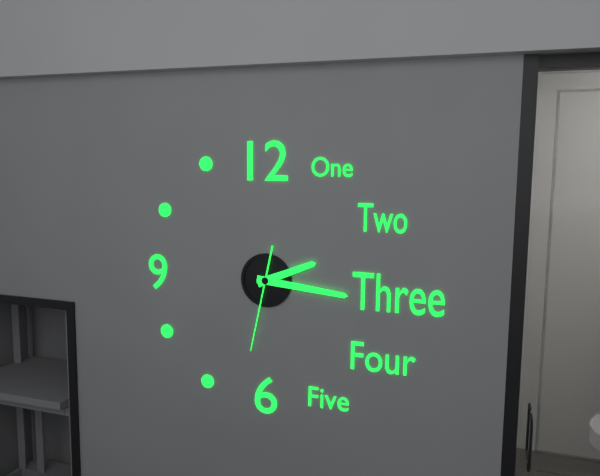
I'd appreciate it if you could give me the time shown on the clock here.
2:16:32
